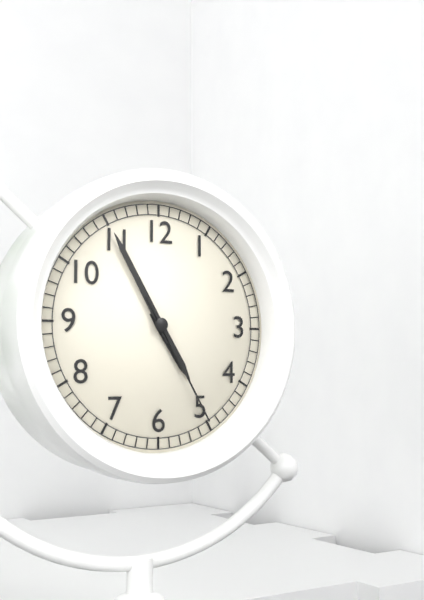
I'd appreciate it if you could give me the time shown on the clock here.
4:55:25
